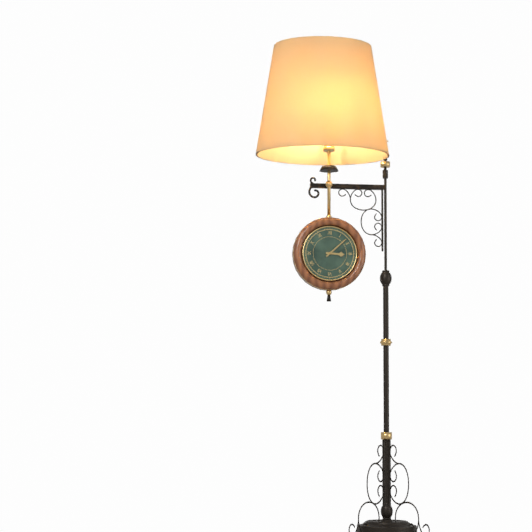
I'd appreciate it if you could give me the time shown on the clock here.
3:08
